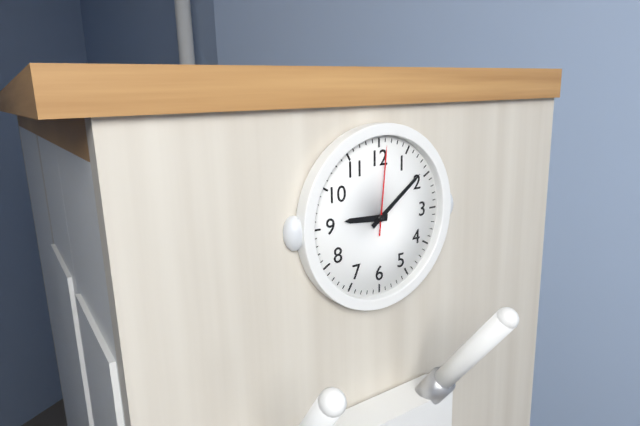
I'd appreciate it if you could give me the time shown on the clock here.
9:09:01
